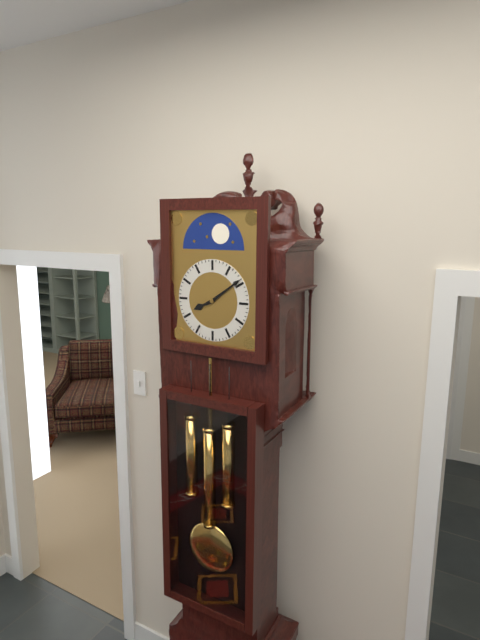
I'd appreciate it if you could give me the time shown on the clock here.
8:09
